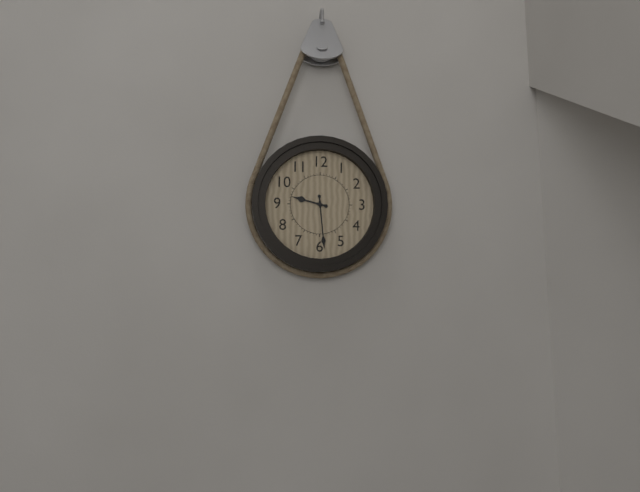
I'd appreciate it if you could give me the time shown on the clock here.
9:29
